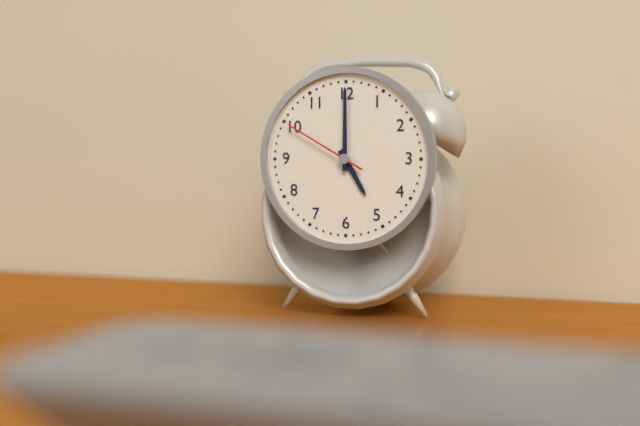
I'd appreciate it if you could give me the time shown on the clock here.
5:00:50
